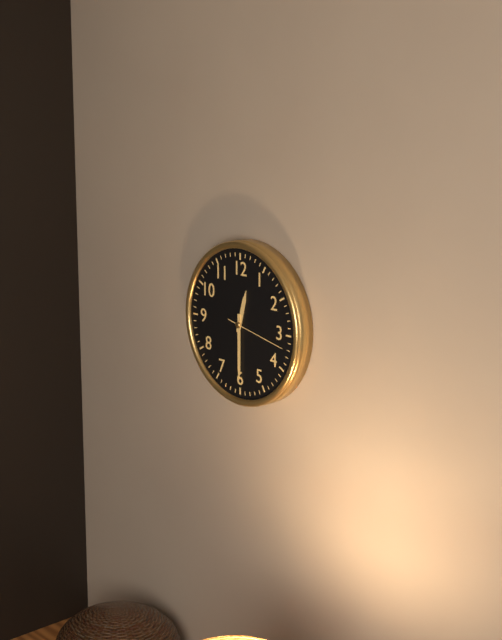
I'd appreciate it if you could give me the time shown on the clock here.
12:30:17
